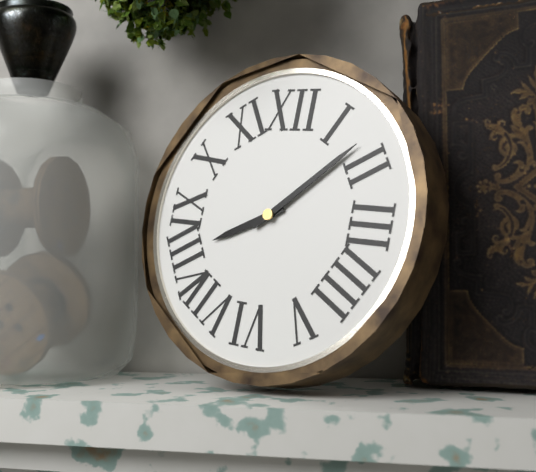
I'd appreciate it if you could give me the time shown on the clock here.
8:08
